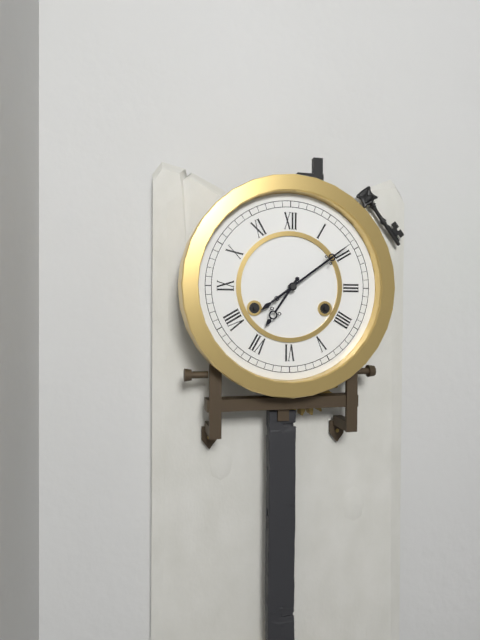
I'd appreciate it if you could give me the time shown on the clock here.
7:09
